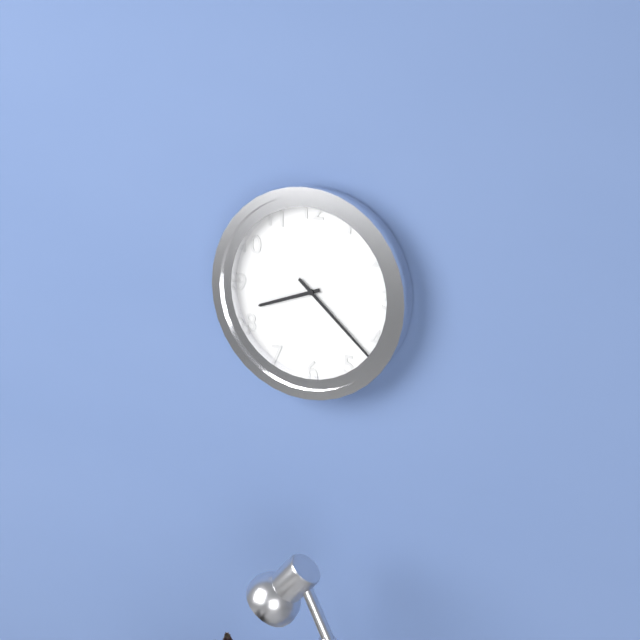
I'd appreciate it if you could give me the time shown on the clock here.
8:22
